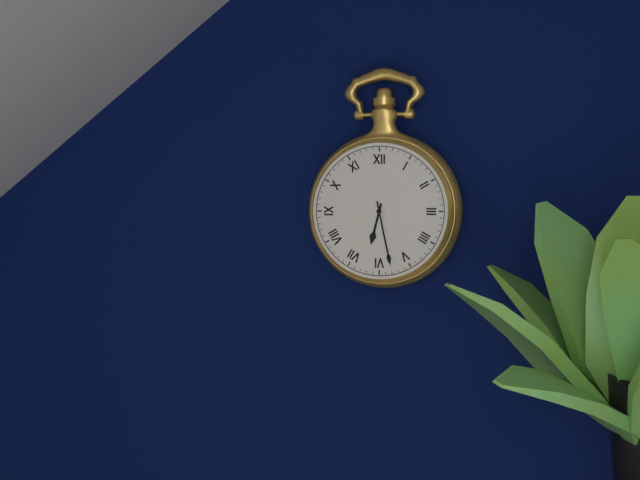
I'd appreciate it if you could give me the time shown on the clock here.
6:28
